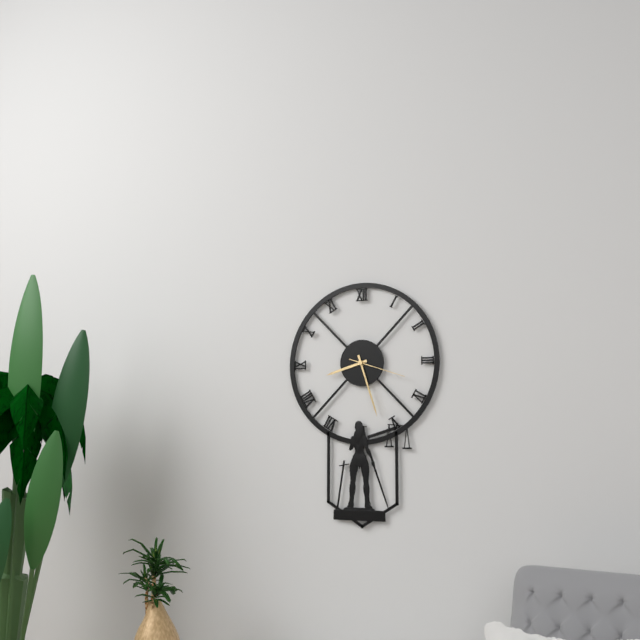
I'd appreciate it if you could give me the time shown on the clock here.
8:27:18
